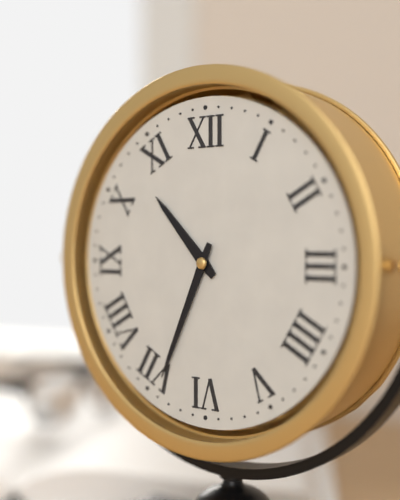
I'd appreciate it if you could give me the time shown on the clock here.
10:34
